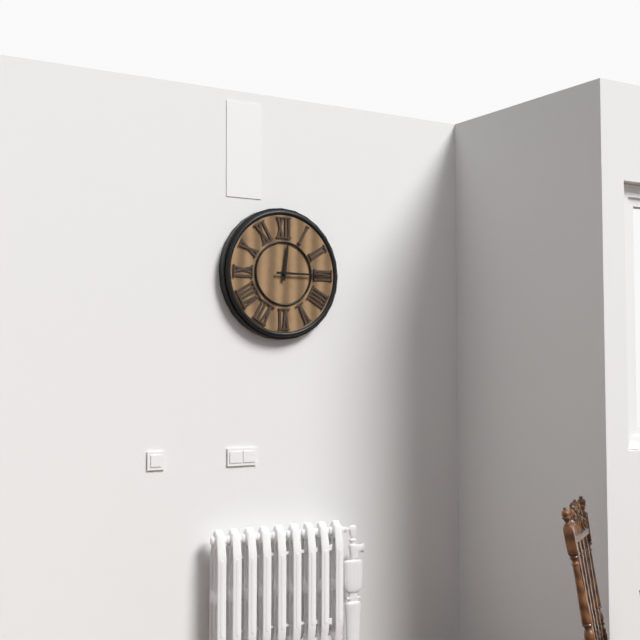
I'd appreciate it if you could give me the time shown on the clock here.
12:15
